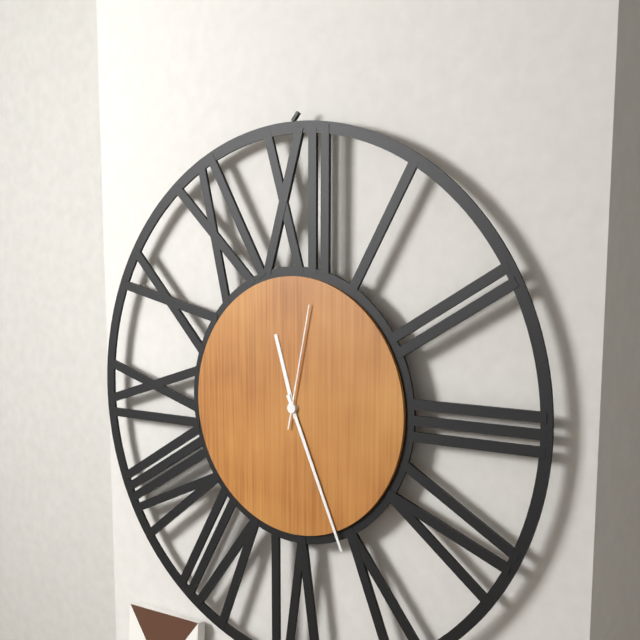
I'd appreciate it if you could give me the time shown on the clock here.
11:26:02
